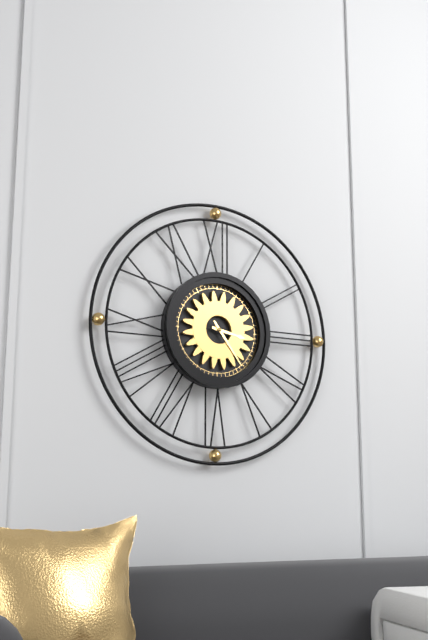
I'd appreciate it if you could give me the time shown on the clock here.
3:24
